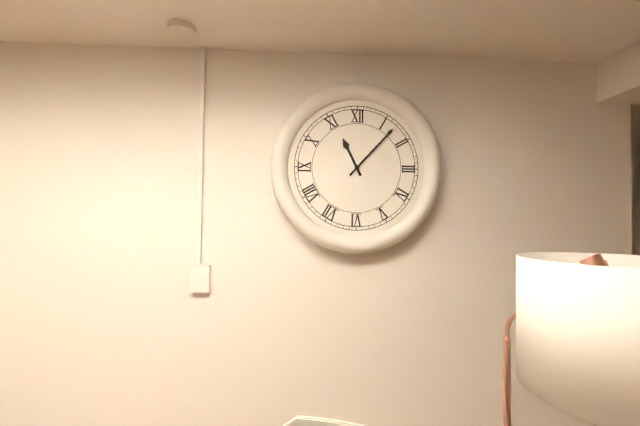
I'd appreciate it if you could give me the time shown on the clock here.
11:07
